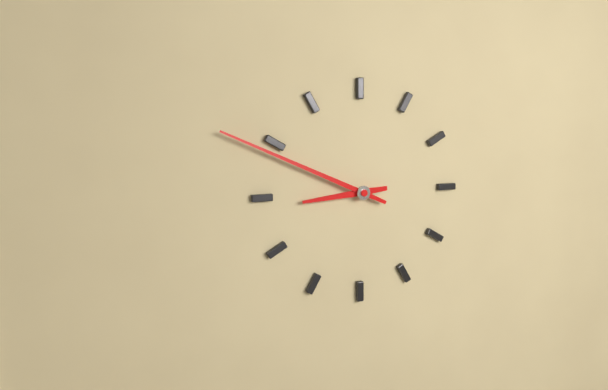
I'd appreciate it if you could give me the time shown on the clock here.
8:49
